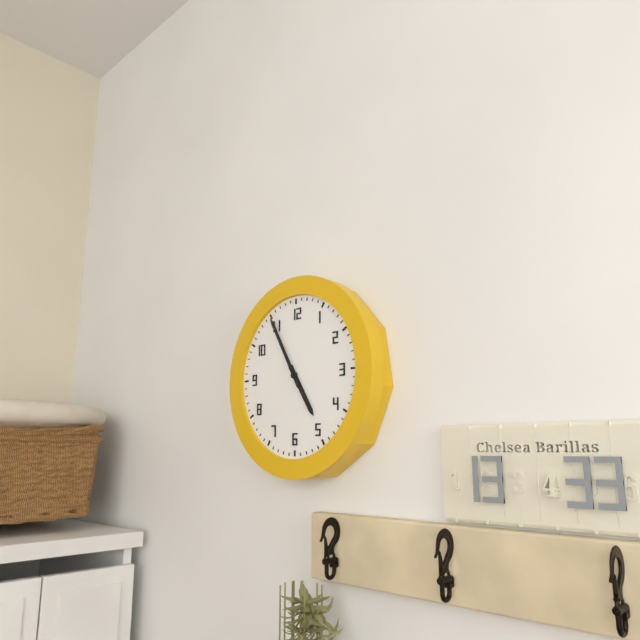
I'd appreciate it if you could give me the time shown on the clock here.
4:55
